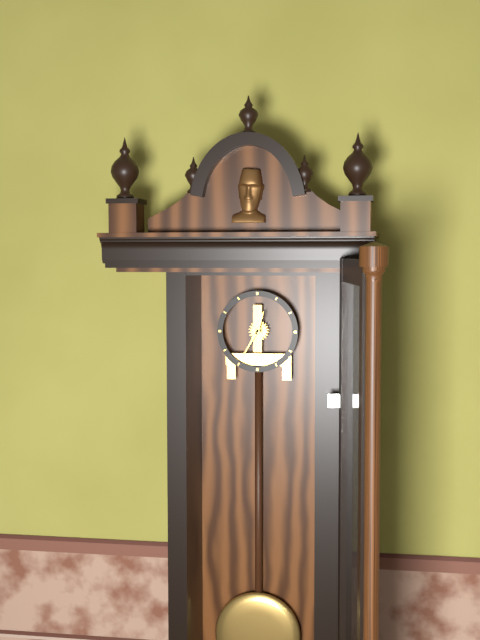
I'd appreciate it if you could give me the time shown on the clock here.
12:35
